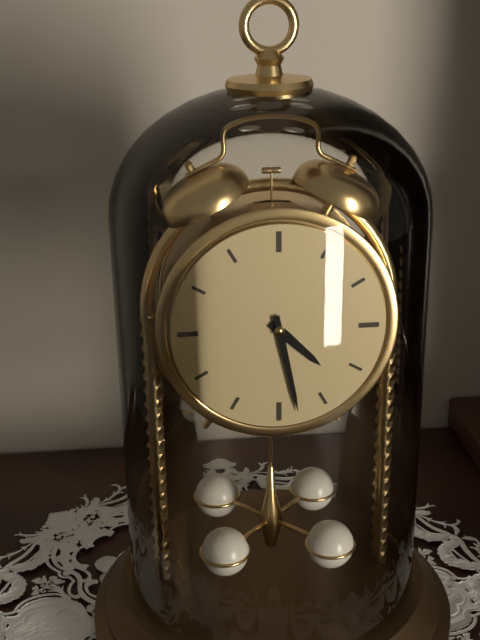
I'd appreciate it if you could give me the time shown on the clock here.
4:28
